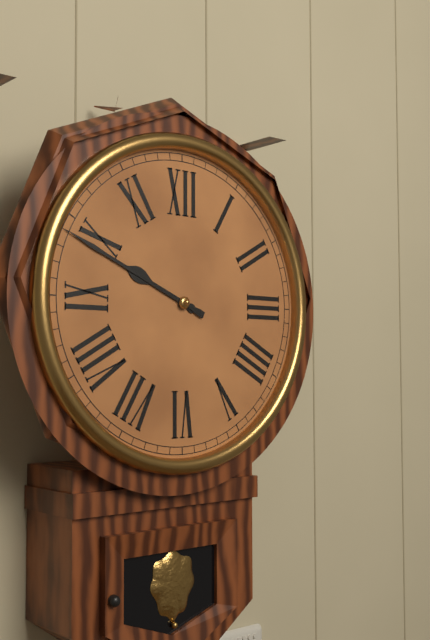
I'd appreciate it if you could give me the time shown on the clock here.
9:49
